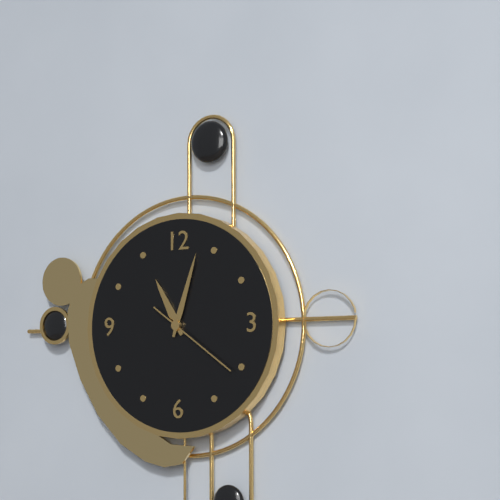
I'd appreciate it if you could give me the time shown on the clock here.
11:03:21
